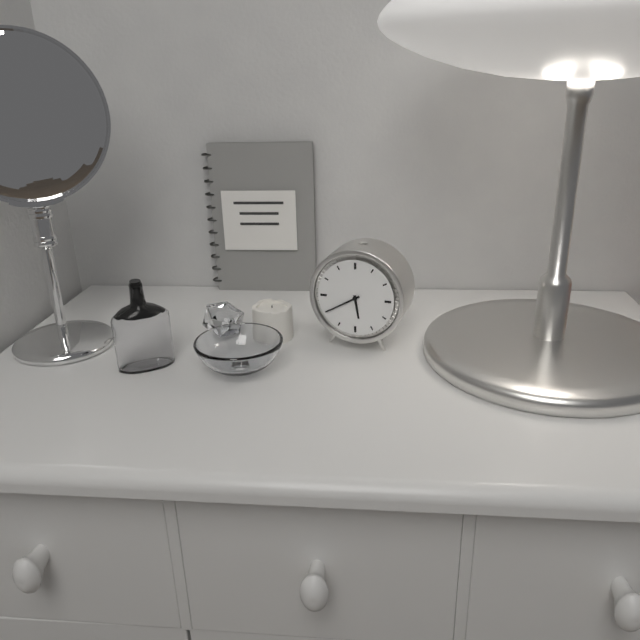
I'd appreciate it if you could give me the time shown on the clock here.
5:40
